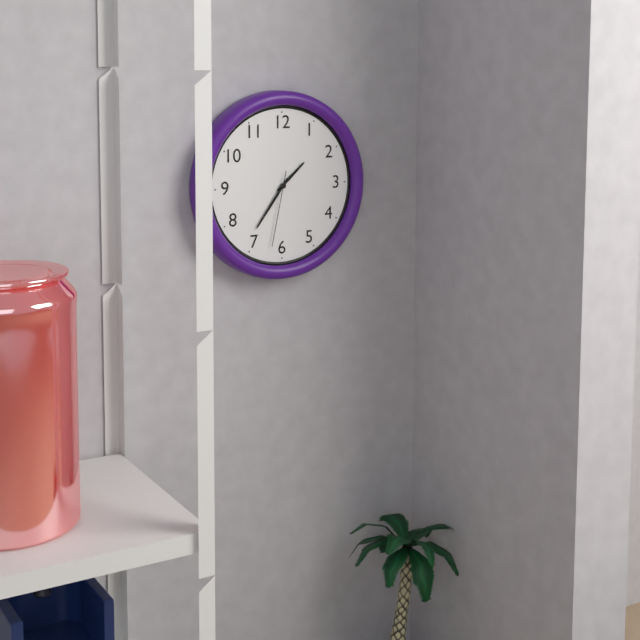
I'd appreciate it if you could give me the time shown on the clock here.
1:36:32
